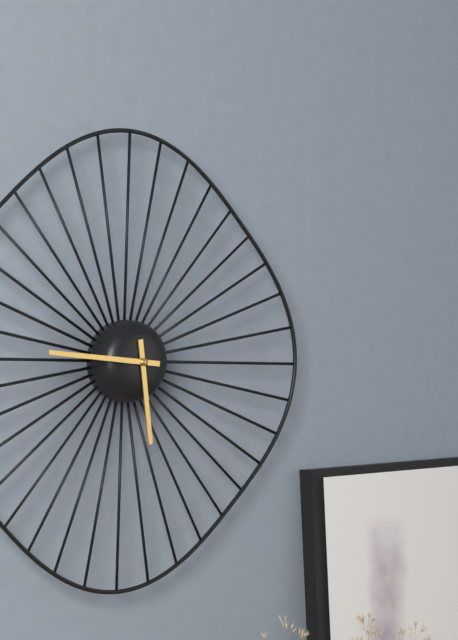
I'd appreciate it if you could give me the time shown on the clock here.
5:46
